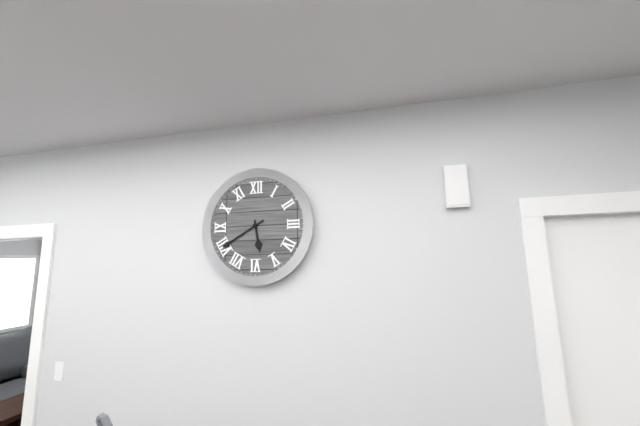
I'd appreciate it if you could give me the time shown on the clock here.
5:40
